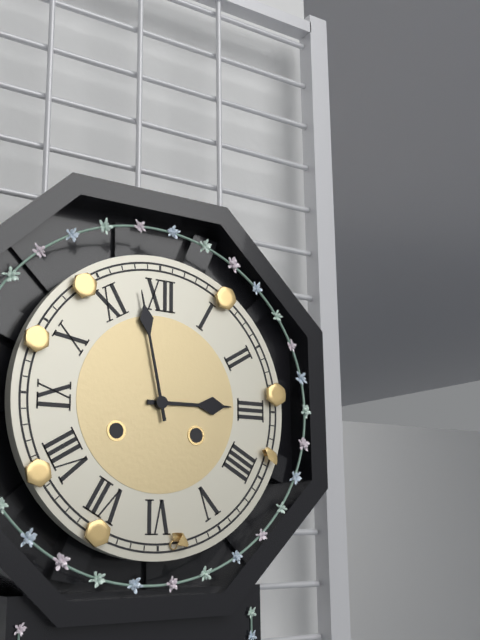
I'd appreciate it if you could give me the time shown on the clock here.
2:58
